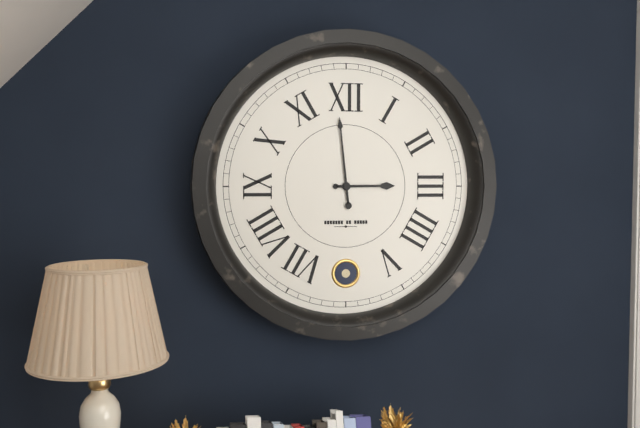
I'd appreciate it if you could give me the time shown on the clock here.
2:59
